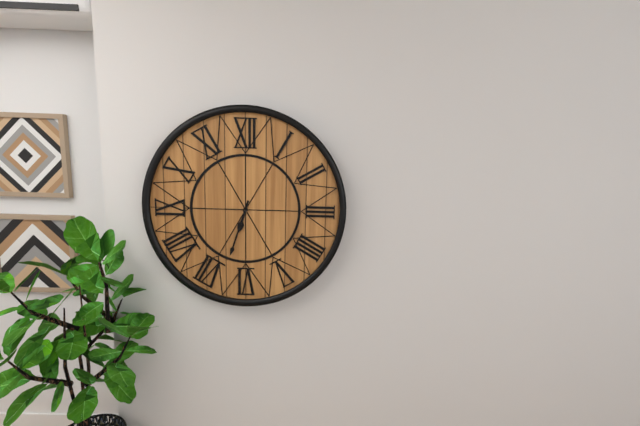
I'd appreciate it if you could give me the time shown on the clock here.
6:33
